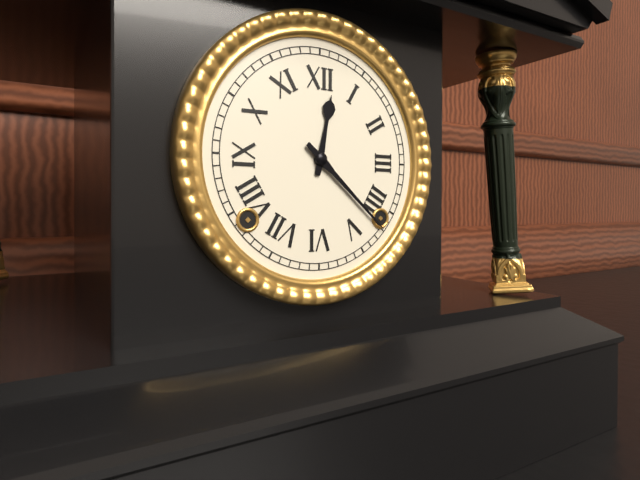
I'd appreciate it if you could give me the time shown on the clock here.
12:22
